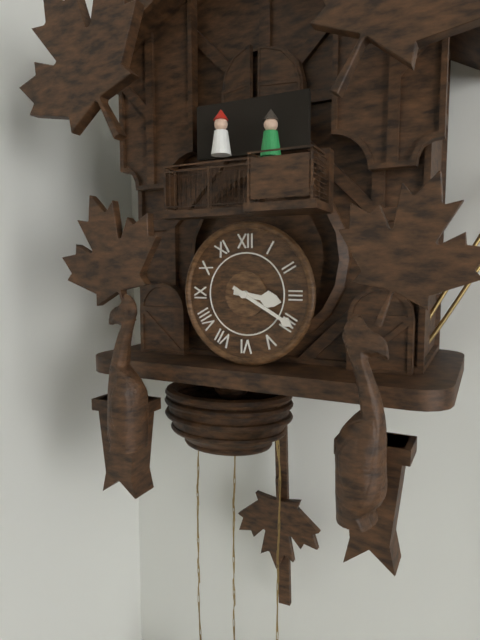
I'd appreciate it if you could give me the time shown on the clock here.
3:20
